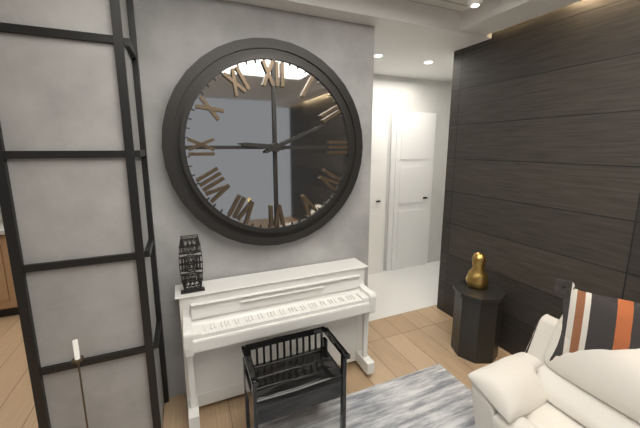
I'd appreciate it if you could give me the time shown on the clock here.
9:11
